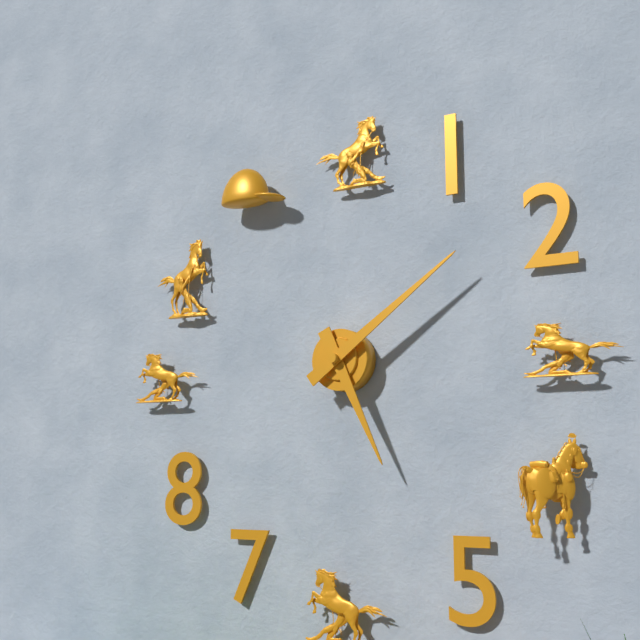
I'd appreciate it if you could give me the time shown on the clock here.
5:09
